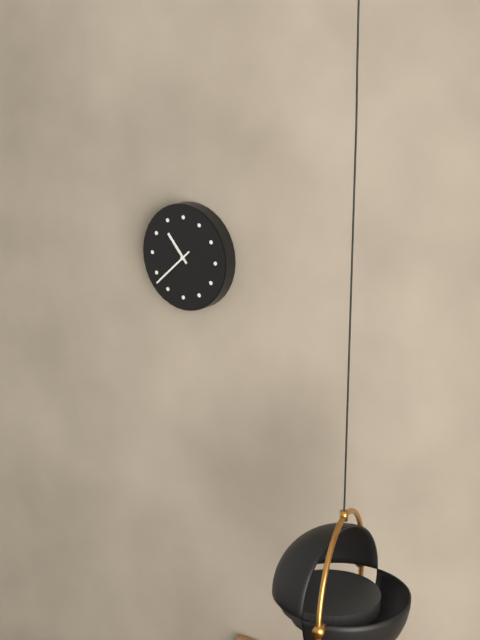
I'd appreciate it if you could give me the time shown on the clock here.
10:38
